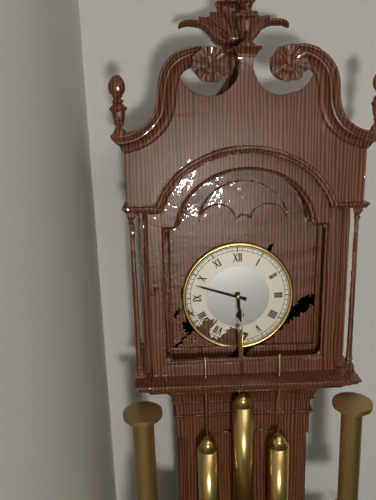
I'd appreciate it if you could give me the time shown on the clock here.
5:48
